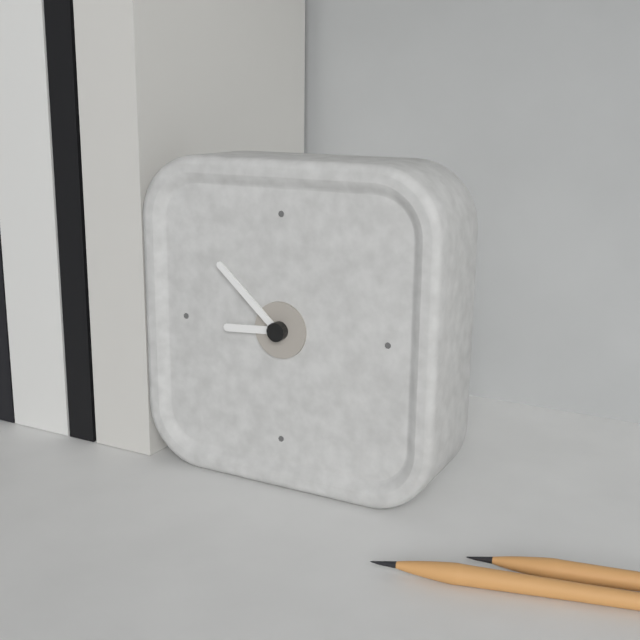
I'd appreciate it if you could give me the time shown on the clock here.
8:52
